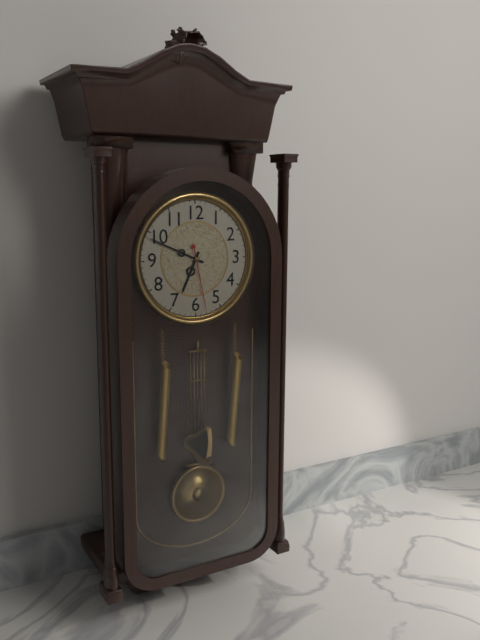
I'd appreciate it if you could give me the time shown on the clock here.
6:49:28
